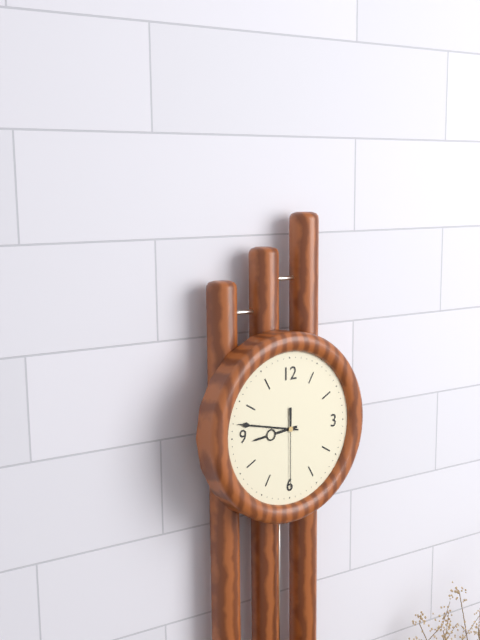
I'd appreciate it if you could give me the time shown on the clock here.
8:47:30
